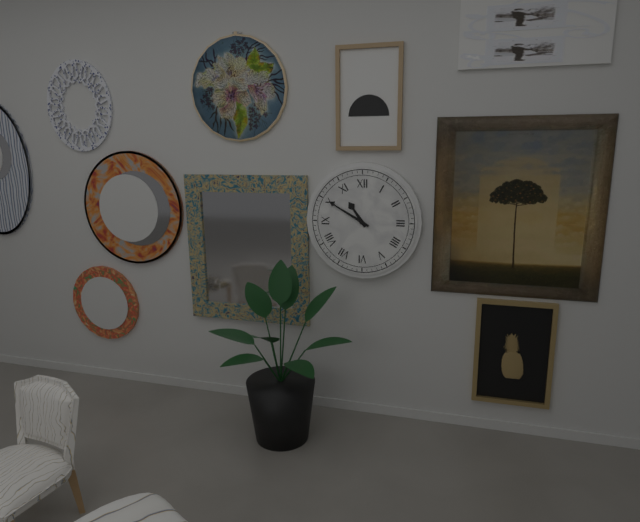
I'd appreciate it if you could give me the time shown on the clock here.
10:50
